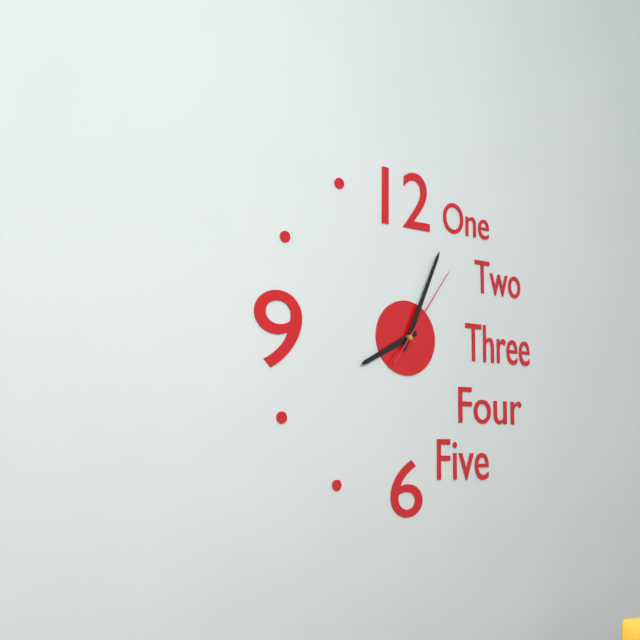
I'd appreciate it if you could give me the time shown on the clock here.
8:04:06
